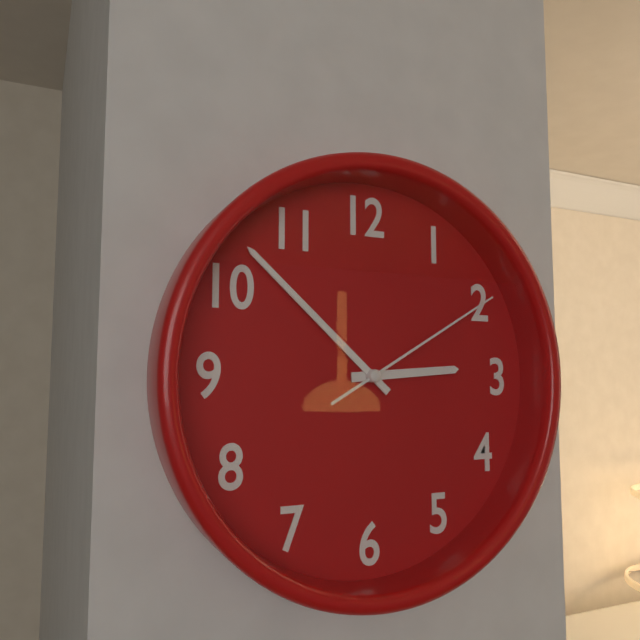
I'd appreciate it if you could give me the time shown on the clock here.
2:52:10
